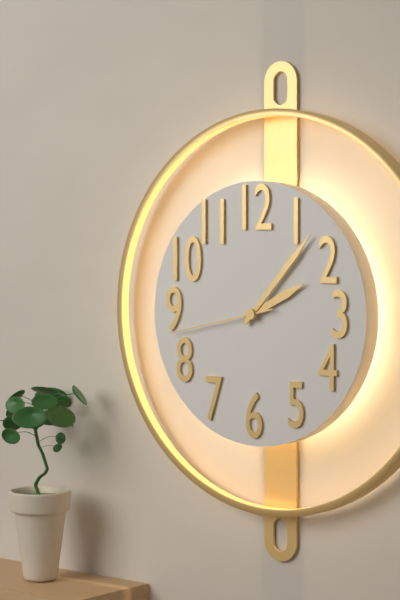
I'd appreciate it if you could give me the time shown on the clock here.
2:07:43
